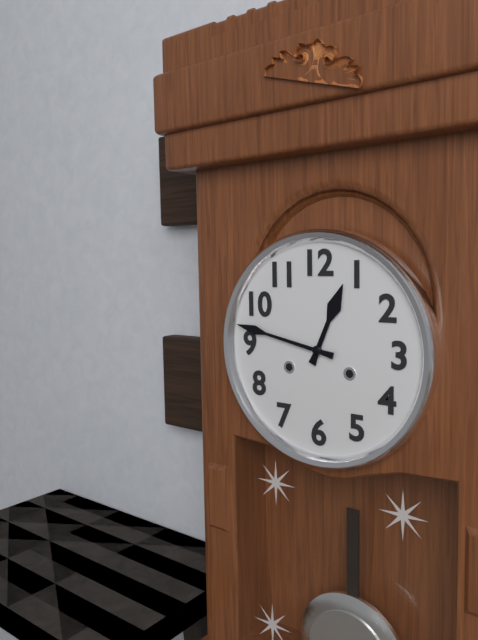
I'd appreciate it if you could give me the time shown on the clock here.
12:47
